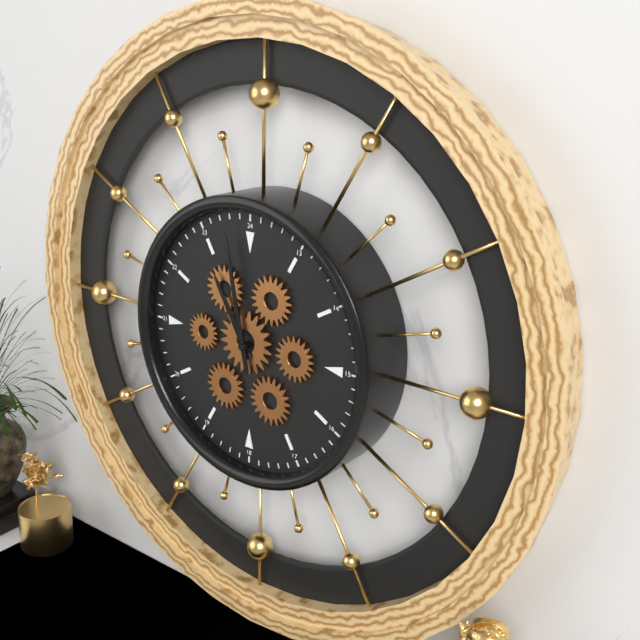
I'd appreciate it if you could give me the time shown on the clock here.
10:58
